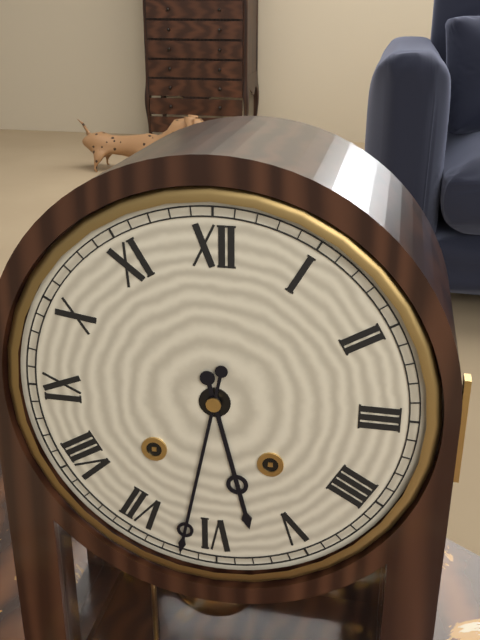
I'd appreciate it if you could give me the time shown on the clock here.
5:32
